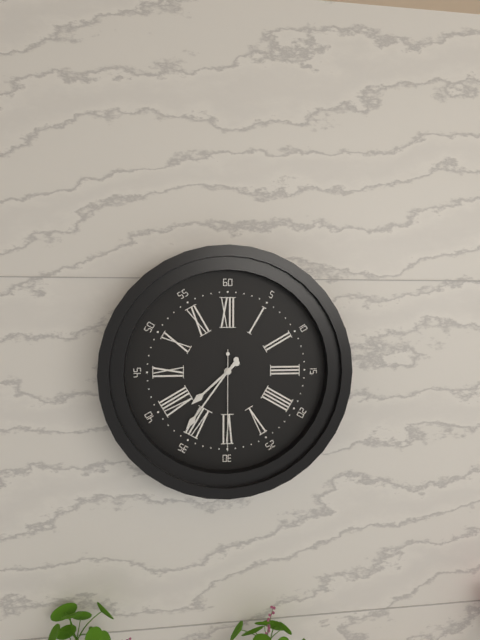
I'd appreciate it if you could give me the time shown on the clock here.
7:36:30
